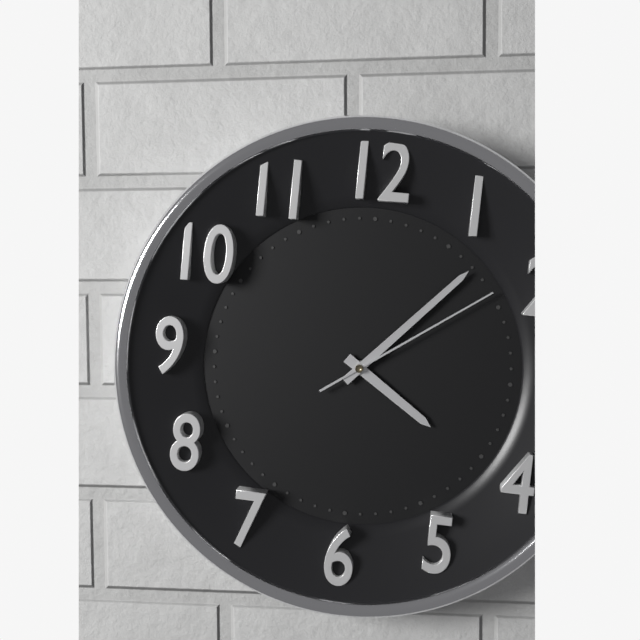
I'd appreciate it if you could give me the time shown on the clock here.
4:07:09
